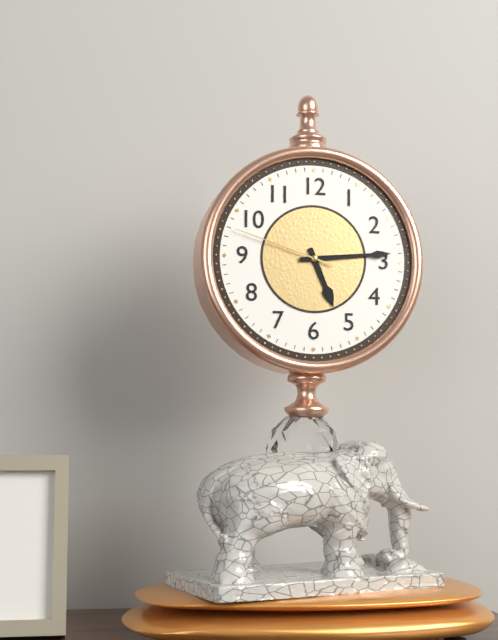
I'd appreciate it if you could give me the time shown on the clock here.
5:14:48
